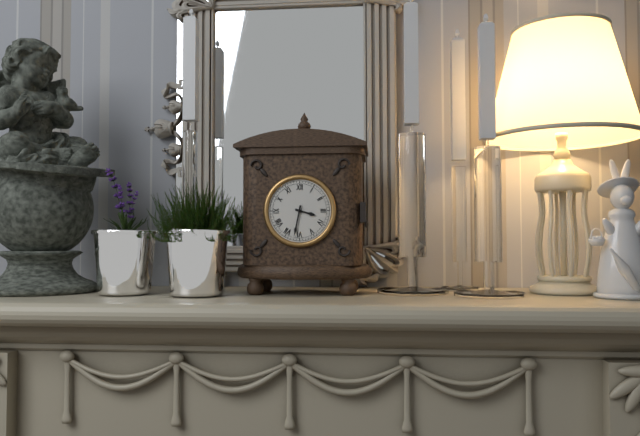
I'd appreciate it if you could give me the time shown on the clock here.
3:32
